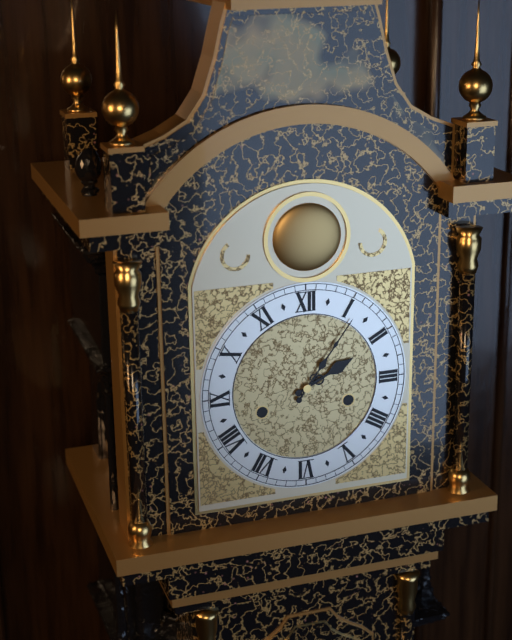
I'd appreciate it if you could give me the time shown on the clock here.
2:06
